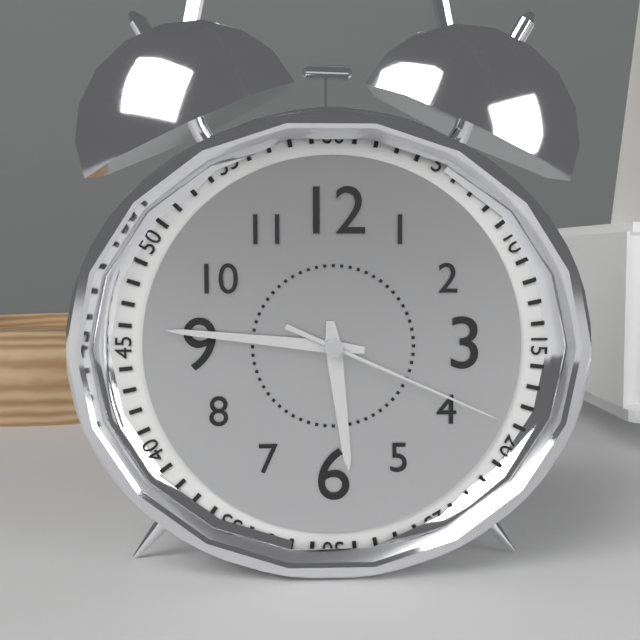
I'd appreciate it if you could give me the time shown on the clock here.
5:46:19
